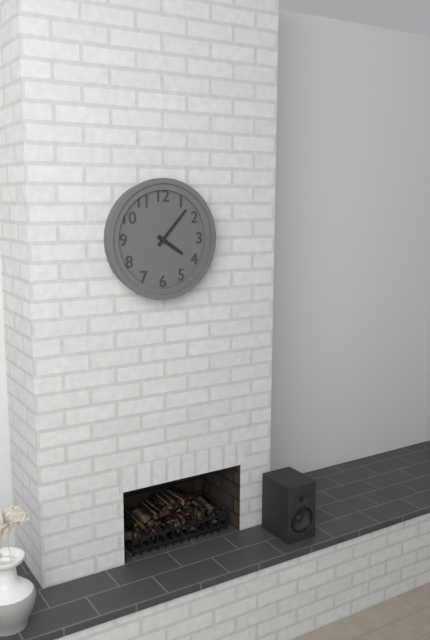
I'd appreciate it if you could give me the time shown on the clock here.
4:07
